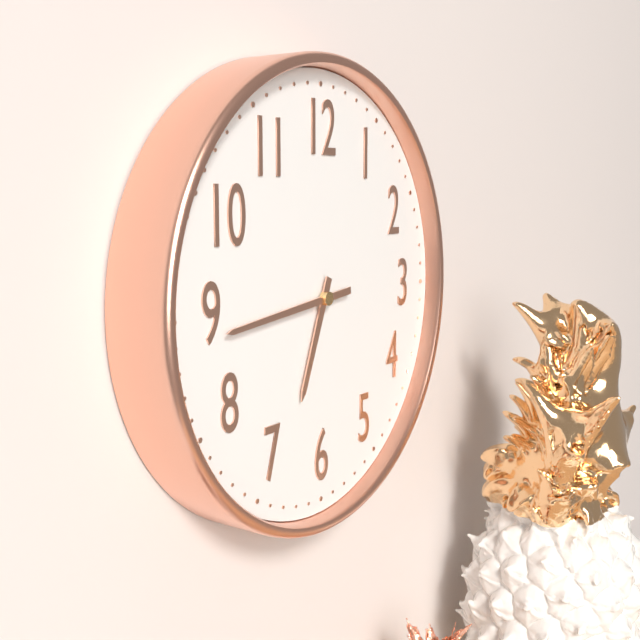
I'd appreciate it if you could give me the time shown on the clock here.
6:44
